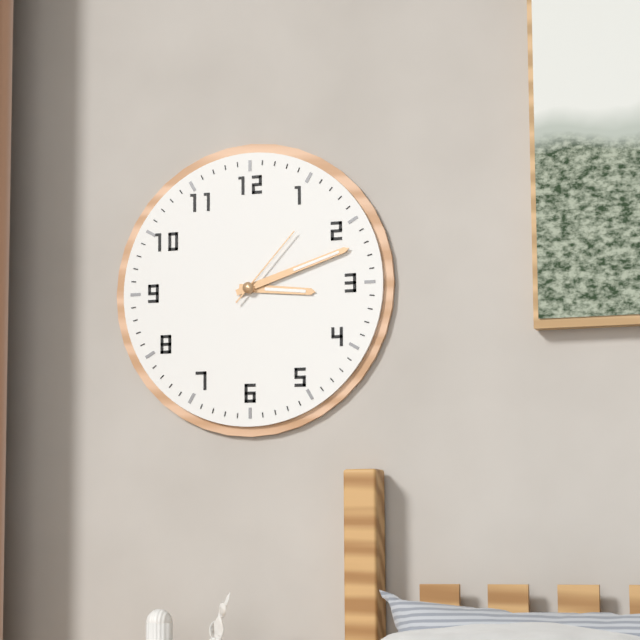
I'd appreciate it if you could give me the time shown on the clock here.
3:12:07
